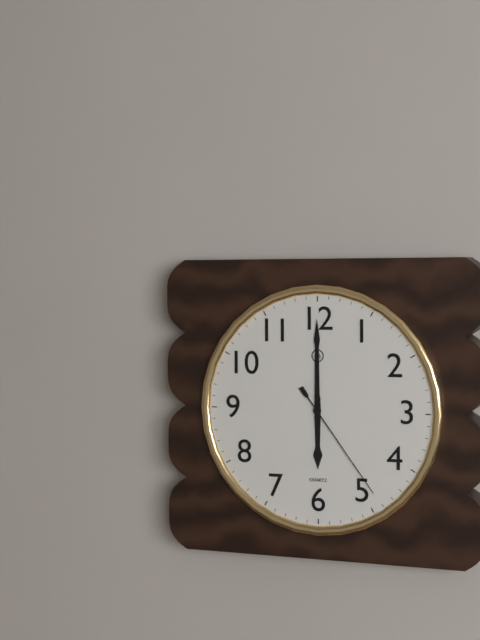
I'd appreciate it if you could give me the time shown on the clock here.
6:00:24
